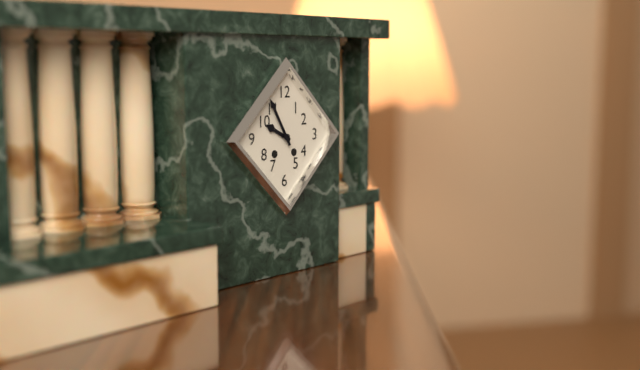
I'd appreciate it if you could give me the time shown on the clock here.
9:55
